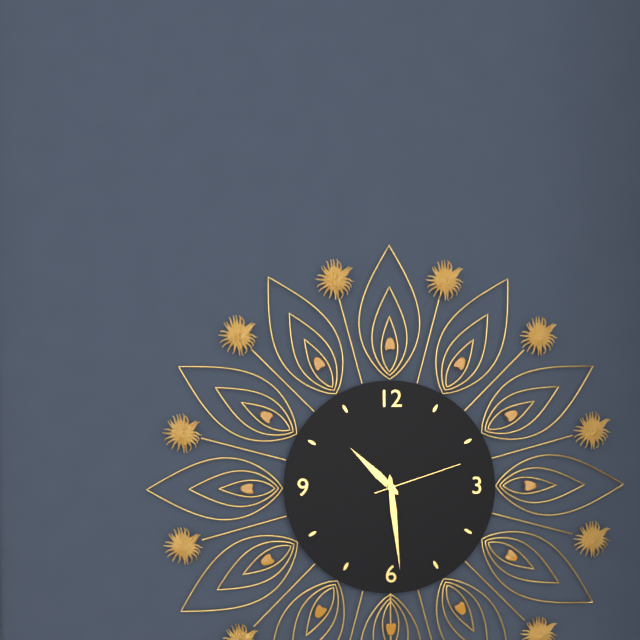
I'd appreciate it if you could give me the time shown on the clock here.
10:29:12
